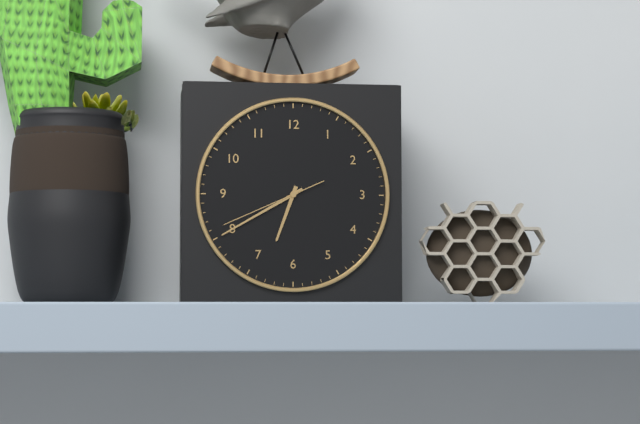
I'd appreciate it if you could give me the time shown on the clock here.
6:40:41
